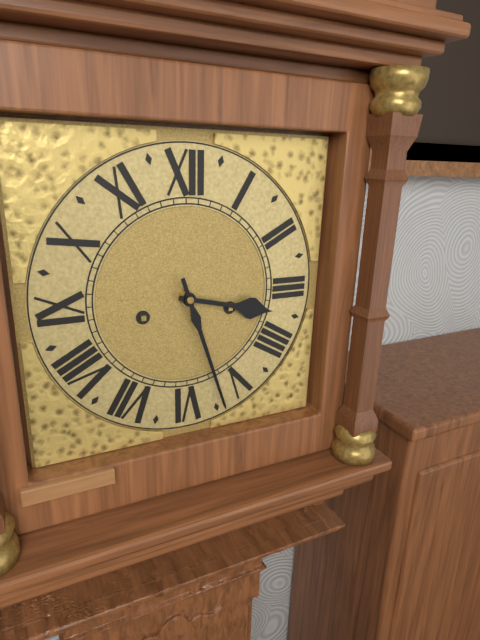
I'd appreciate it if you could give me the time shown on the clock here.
3:27
